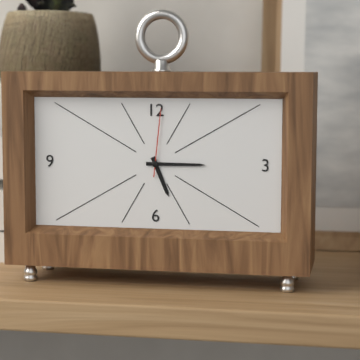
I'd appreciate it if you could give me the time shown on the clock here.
5:15:01
